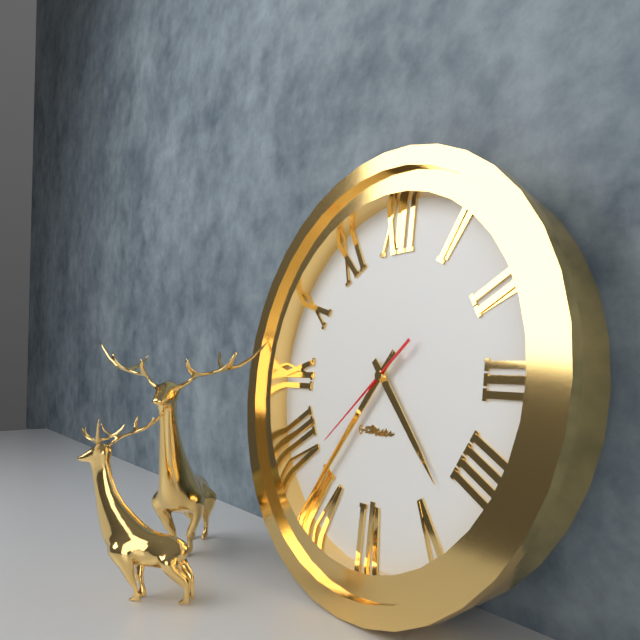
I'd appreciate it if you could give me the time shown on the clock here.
4:36:38
